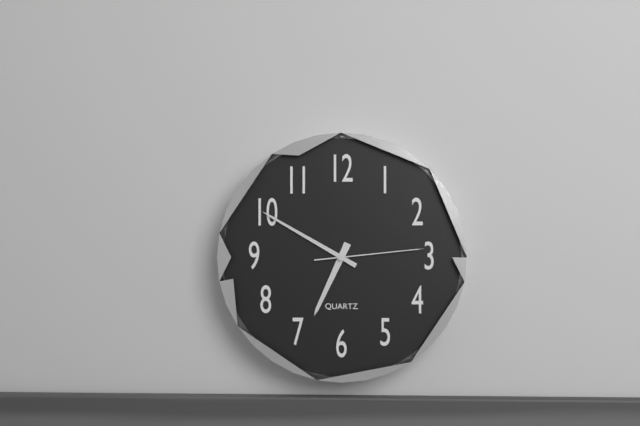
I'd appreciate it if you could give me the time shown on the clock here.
6:50:14
